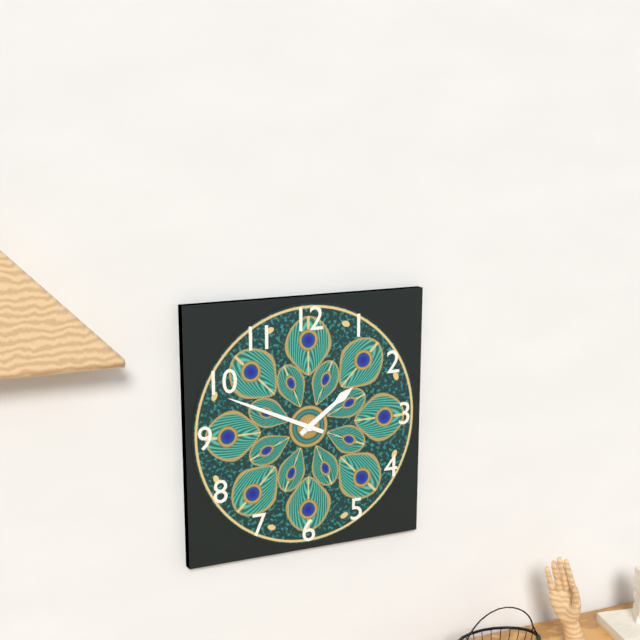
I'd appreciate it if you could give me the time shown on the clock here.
1:49
